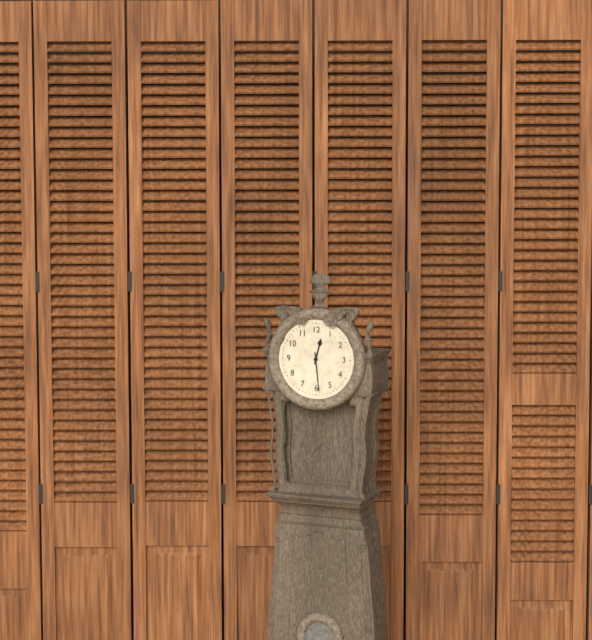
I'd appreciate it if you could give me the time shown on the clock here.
12:29
